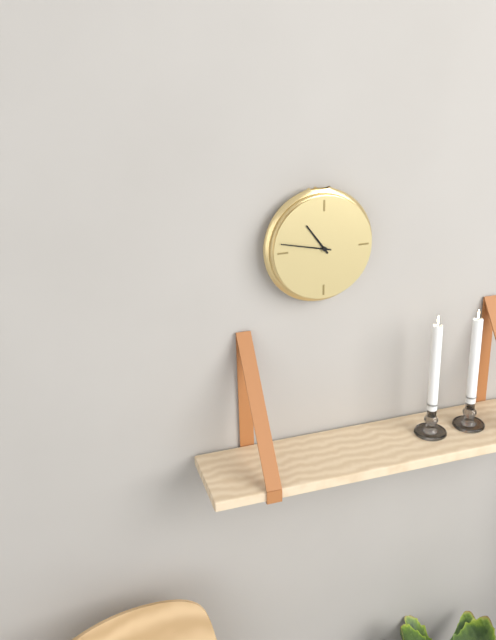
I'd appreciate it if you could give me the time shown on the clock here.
10:47
